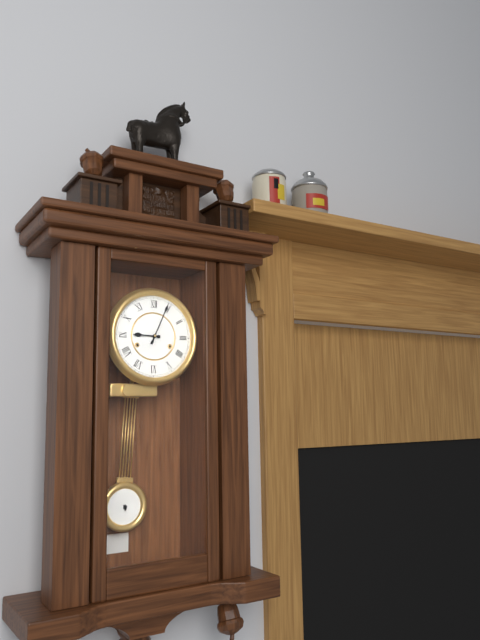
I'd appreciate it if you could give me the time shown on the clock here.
9:04
